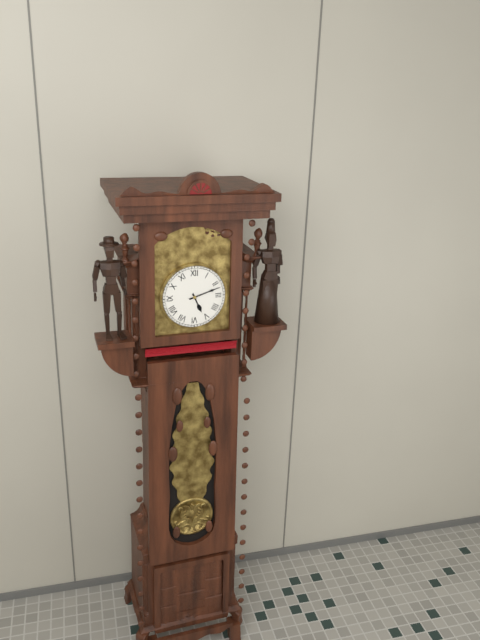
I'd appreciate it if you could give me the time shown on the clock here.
5:12
